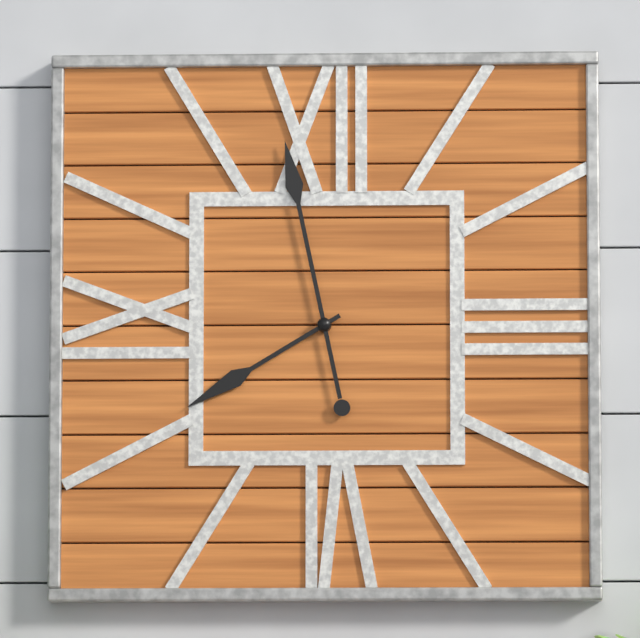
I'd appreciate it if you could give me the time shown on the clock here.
7:58
